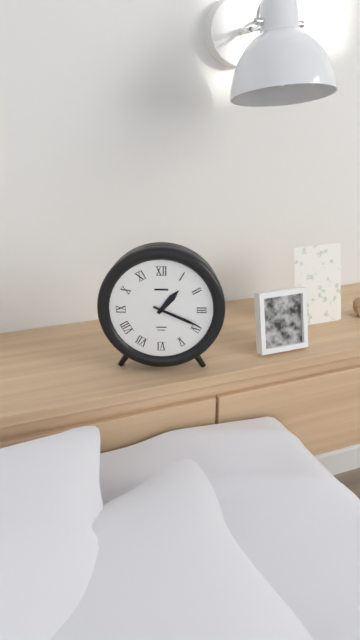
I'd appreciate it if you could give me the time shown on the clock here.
1:19
